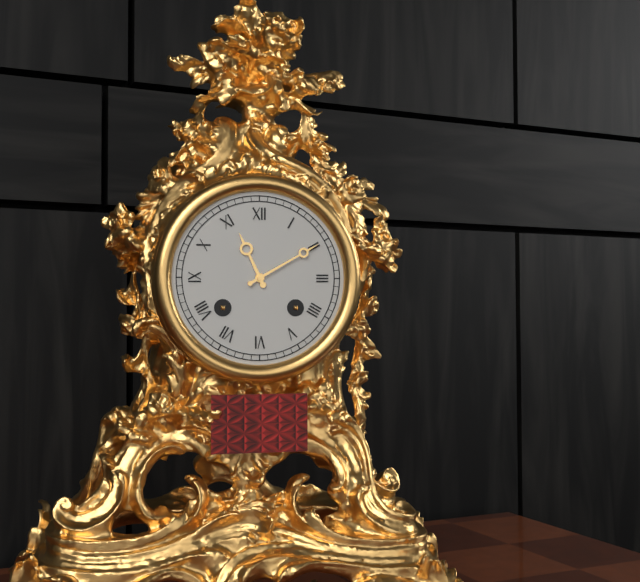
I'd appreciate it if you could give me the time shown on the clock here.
11:10
